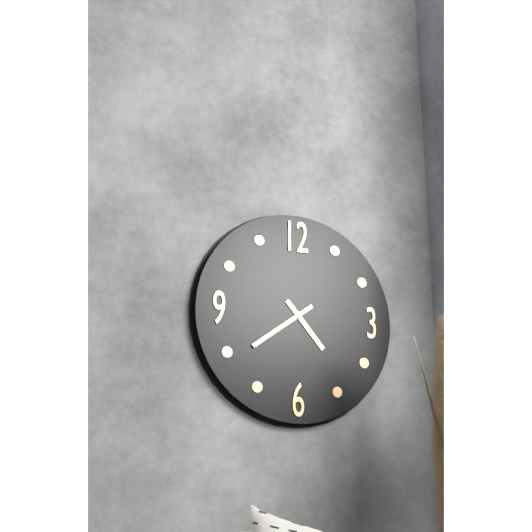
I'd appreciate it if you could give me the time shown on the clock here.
4:39
